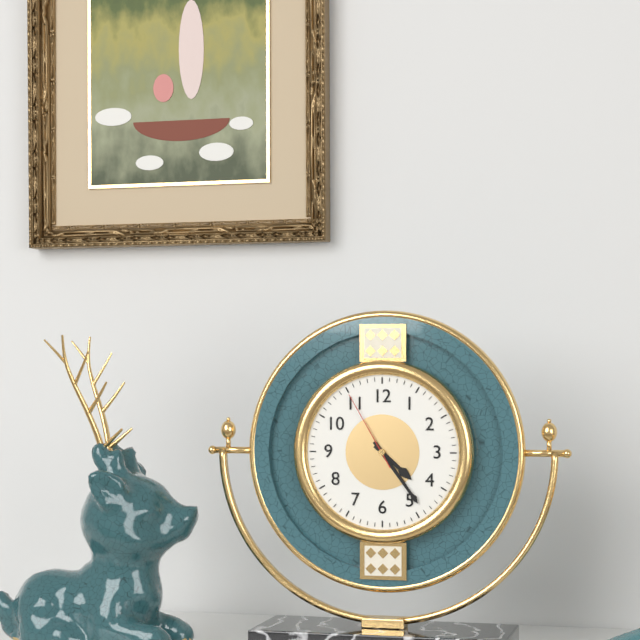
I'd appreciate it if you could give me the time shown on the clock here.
4:24:55
